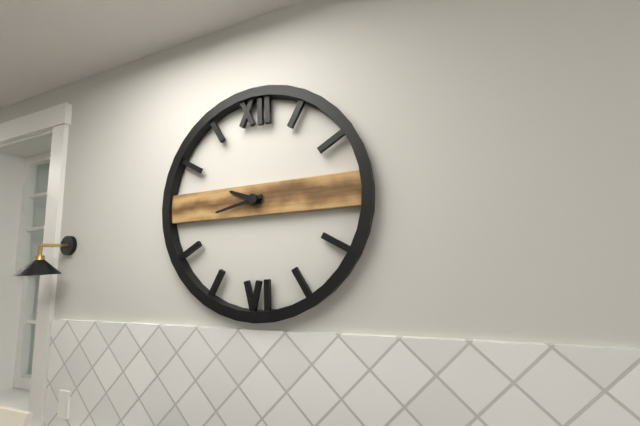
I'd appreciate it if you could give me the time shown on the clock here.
9:43
